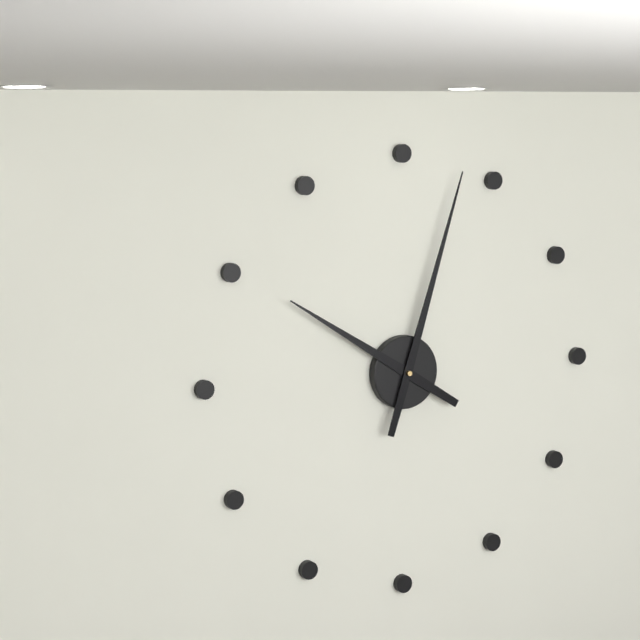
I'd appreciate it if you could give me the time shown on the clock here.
10:03
